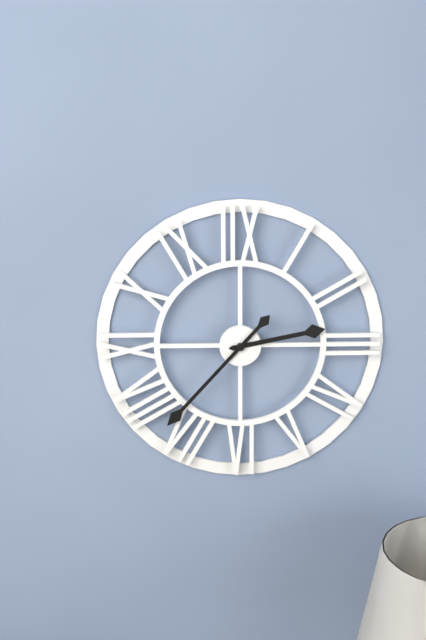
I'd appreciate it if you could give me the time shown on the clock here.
2:37
